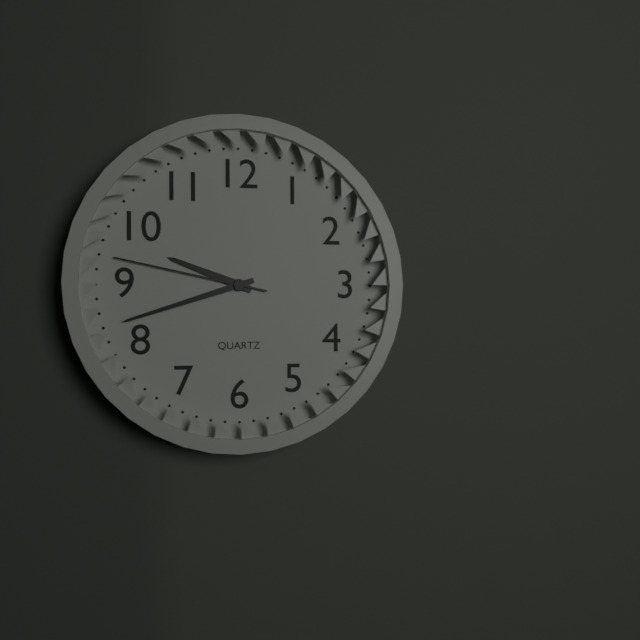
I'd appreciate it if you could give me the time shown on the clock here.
9:42:47
